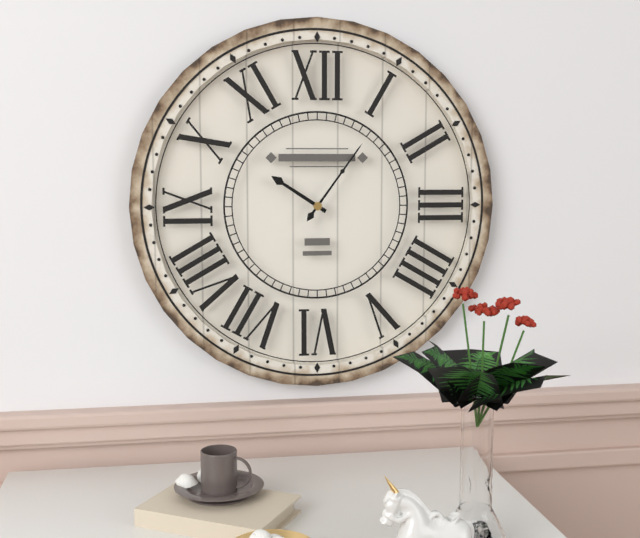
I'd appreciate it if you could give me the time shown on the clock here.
10:06
